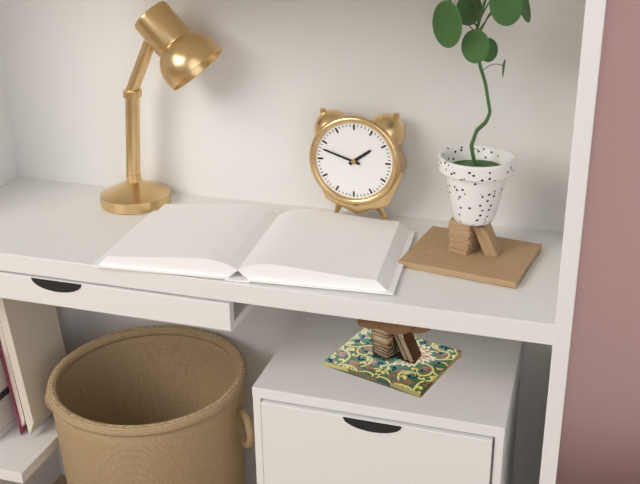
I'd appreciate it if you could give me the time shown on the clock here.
1:48
